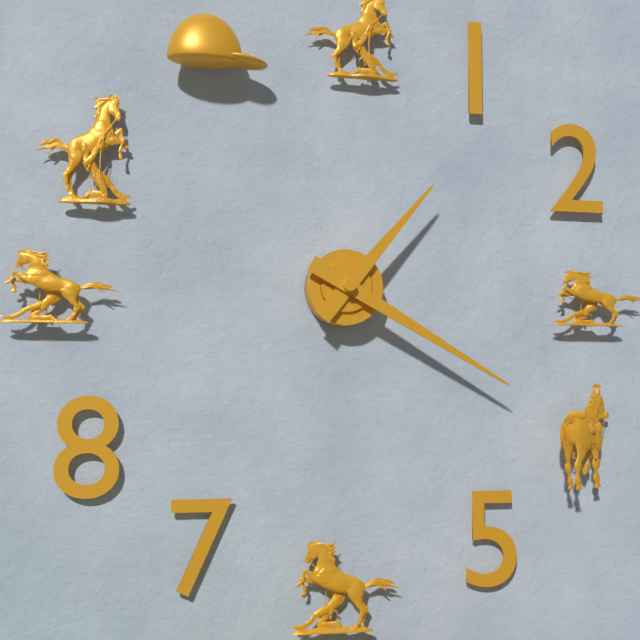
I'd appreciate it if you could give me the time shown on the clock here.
1:20
